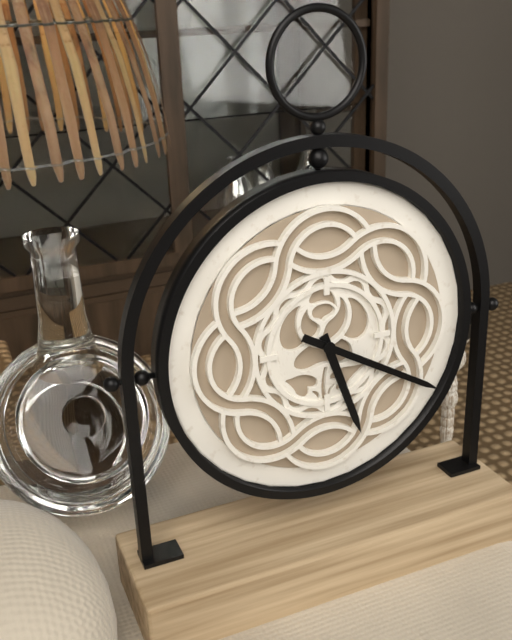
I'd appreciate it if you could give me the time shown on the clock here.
5:20
